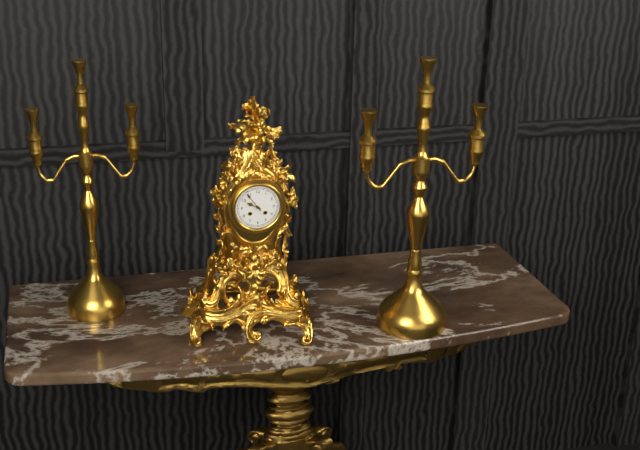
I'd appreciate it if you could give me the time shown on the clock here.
9:54
